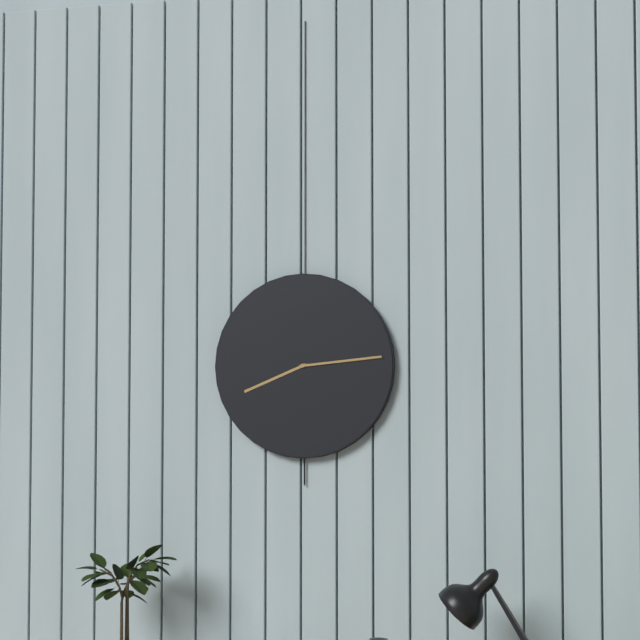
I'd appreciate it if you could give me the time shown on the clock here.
8:14
